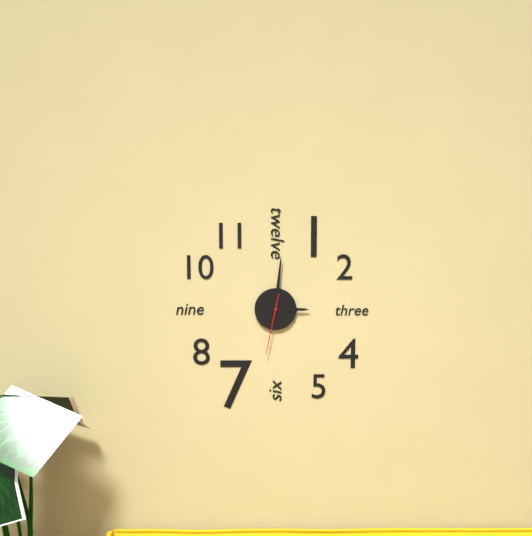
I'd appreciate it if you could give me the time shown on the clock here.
3:01:32
